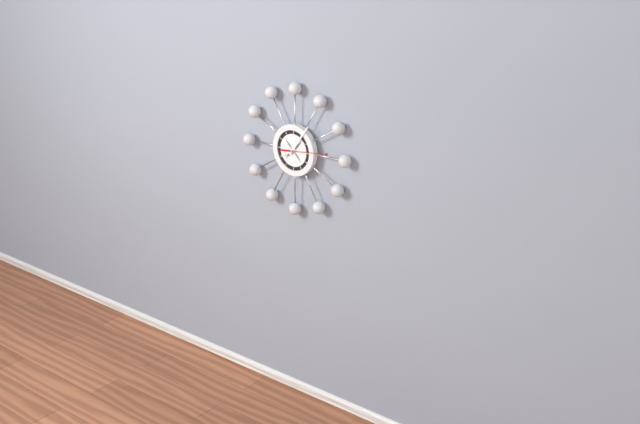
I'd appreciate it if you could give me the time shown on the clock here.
8:06
